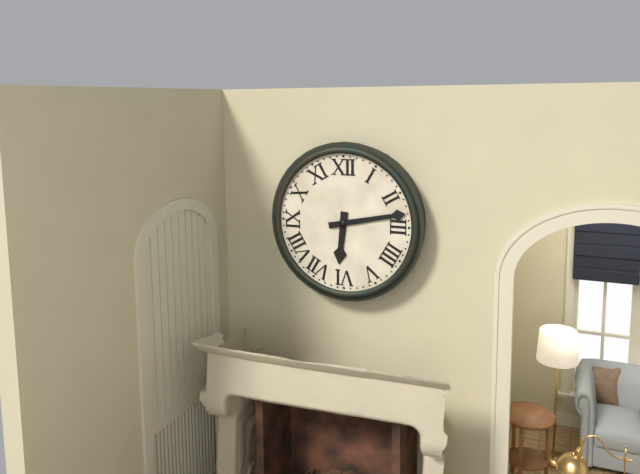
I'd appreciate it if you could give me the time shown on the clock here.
6:13
